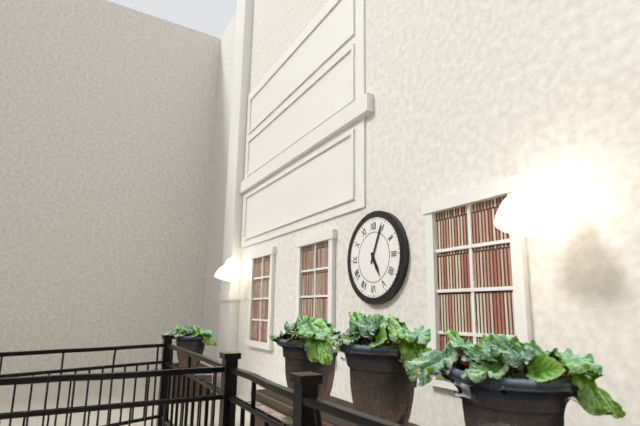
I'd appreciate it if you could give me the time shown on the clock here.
5:04
